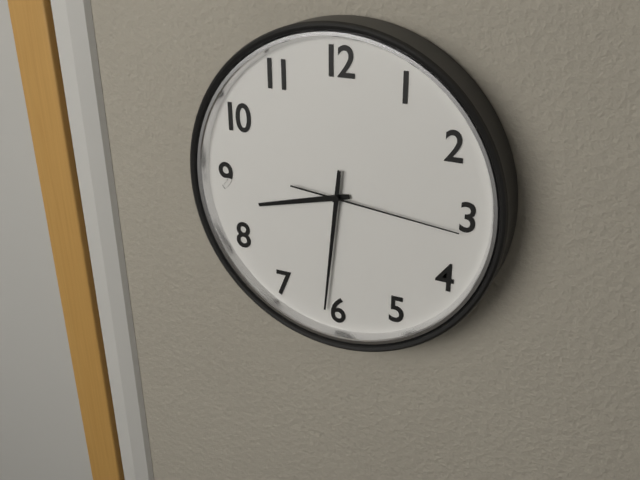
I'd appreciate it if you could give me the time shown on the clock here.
8:31:16
